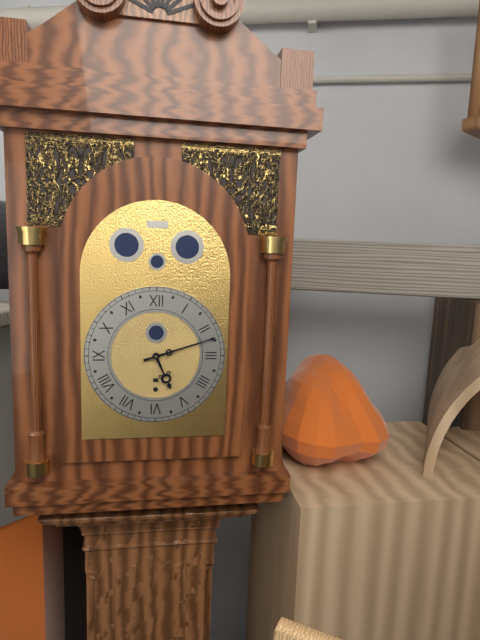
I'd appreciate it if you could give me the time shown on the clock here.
5:12
